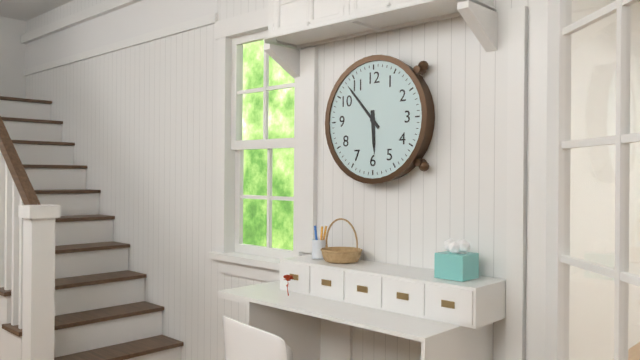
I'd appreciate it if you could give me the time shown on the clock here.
5:53
